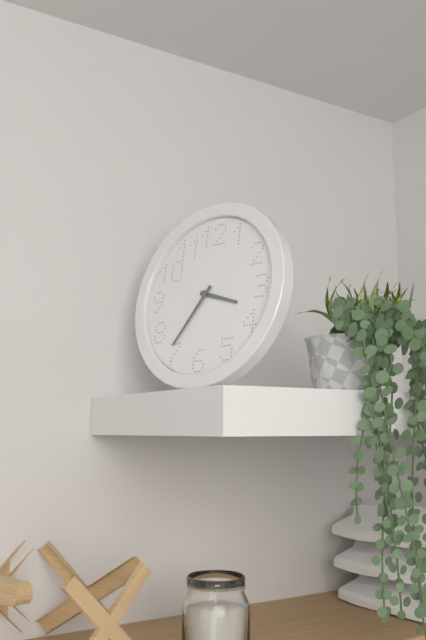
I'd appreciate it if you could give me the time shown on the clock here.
3:36
